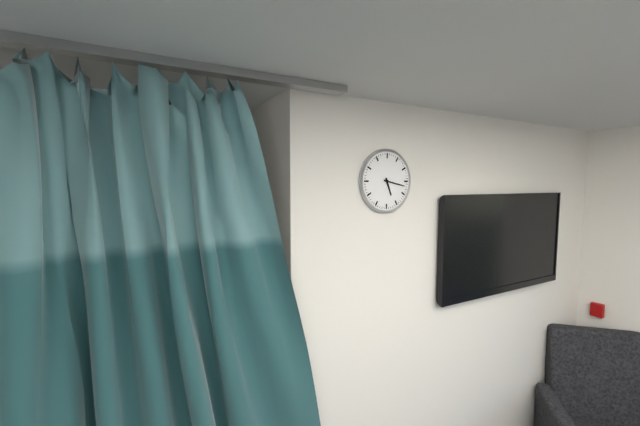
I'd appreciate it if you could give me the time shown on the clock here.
5:17
